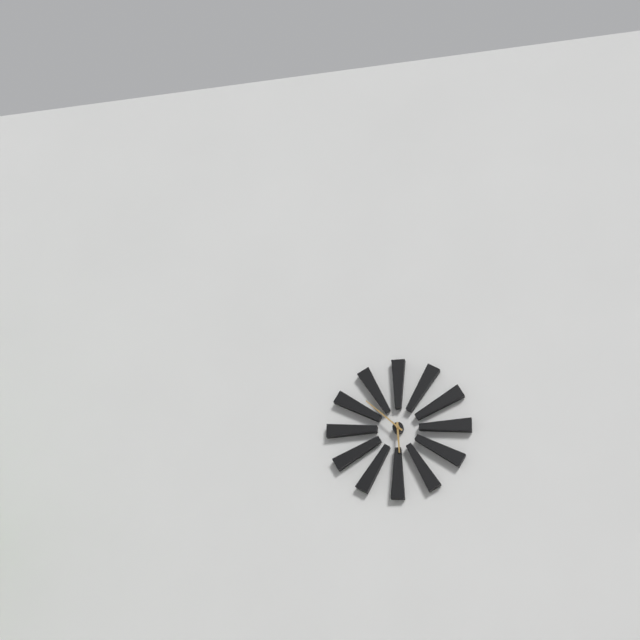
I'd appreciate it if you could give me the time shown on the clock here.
5:52
